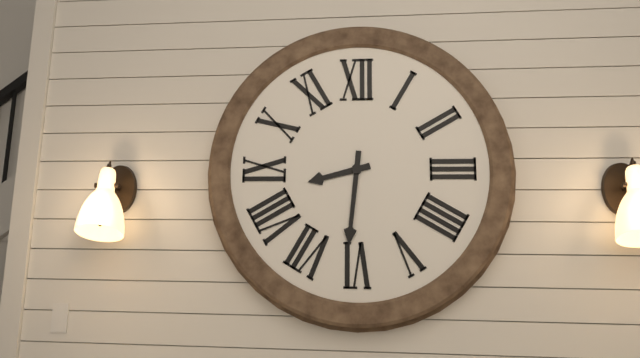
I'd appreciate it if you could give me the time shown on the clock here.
8:31
